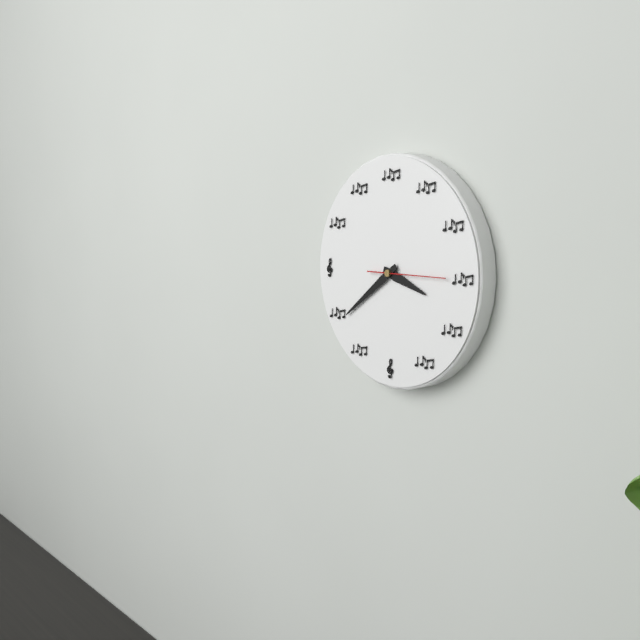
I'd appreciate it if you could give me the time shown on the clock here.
3:39:15
